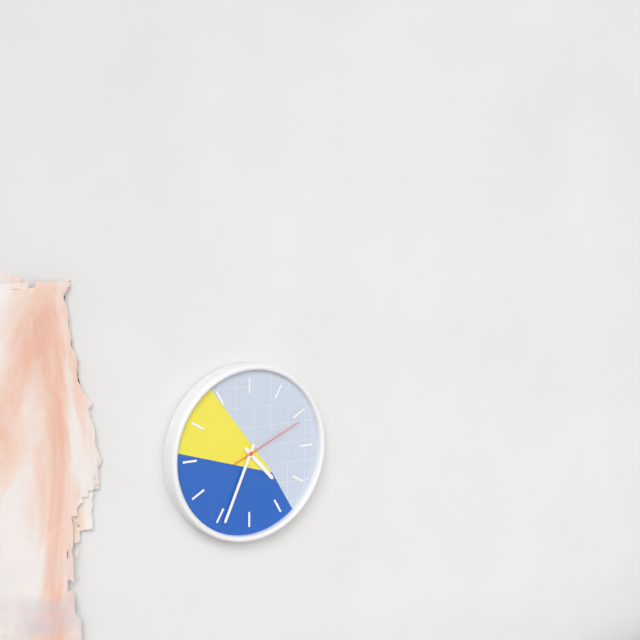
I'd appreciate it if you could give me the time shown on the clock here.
4:34:11
